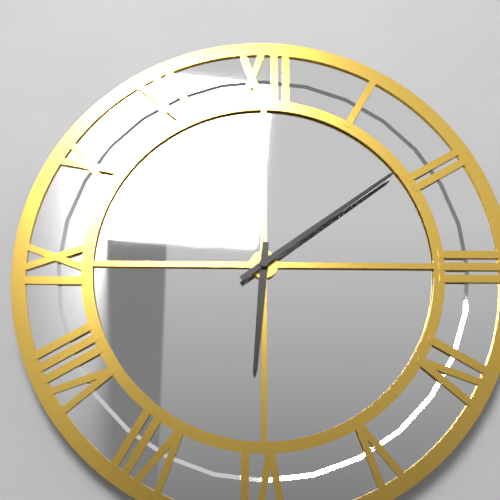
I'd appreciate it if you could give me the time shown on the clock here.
6:09
